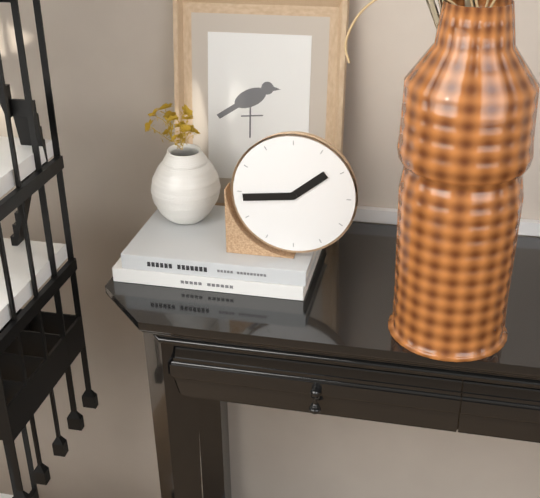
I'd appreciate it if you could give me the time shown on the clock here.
1:44
